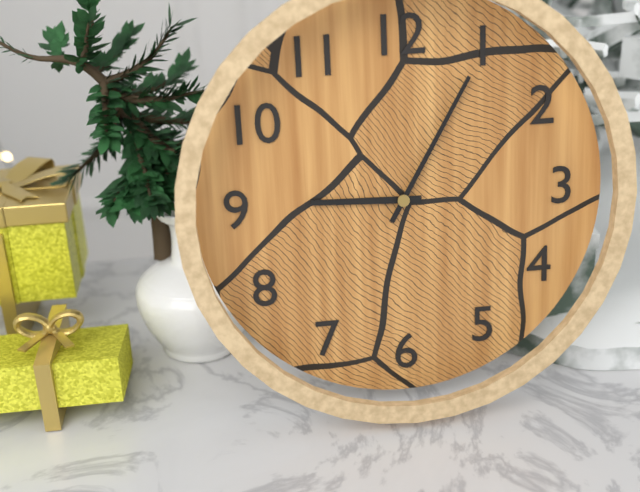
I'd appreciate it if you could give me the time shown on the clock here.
9:05
